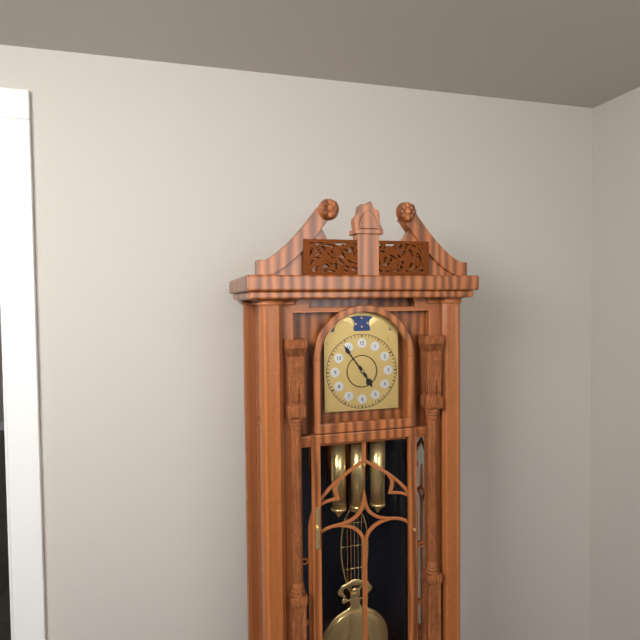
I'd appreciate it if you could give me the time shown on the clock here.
4:54
